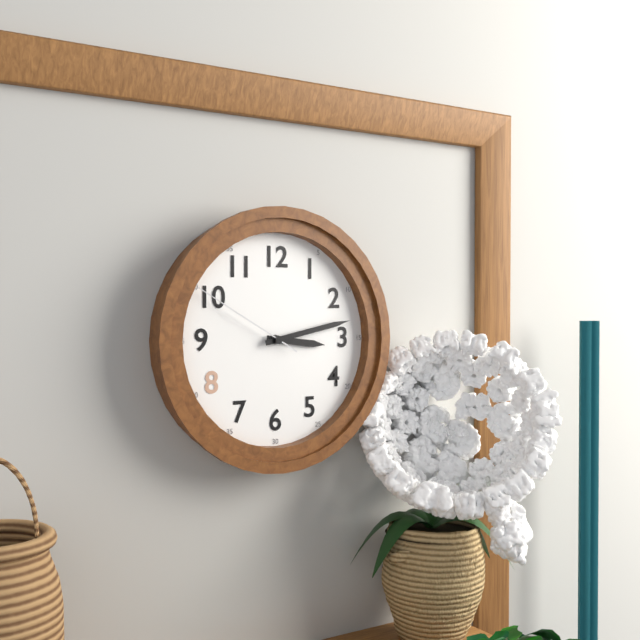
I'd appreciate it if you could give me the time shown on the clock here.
3:13:50
